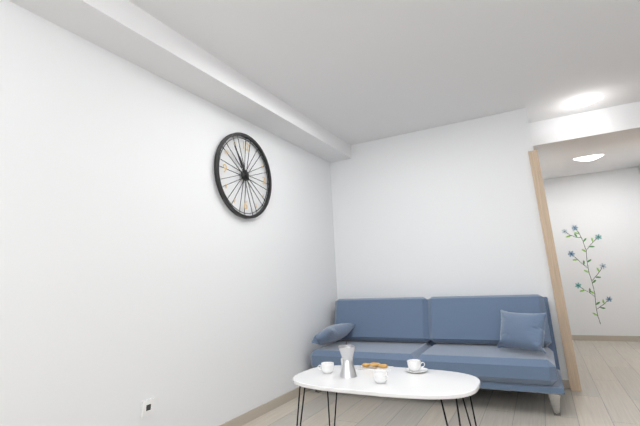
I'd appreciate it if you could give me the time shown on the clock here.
10:54
